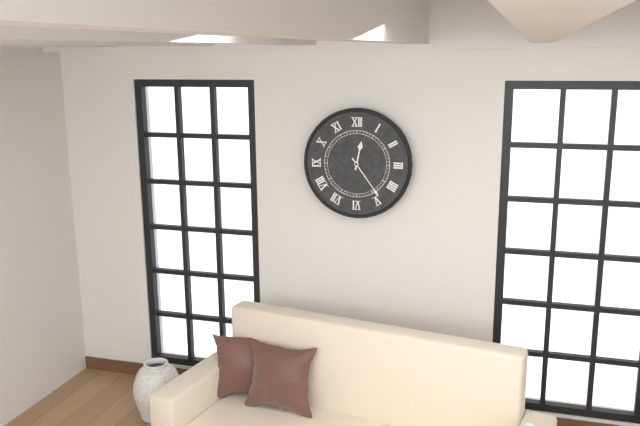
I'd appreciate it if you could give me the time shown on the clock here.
12:24
